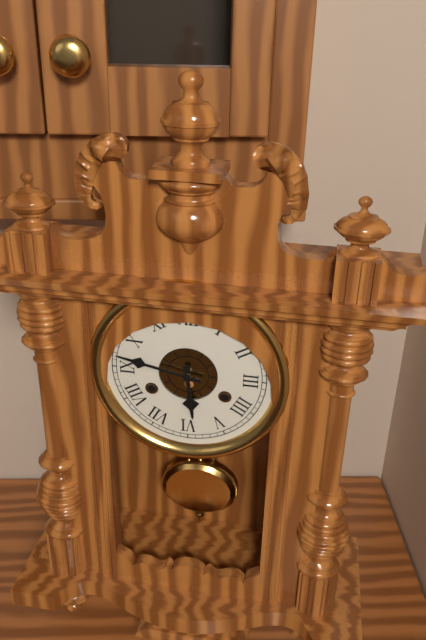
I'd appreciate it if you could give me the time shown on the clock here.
5:47
